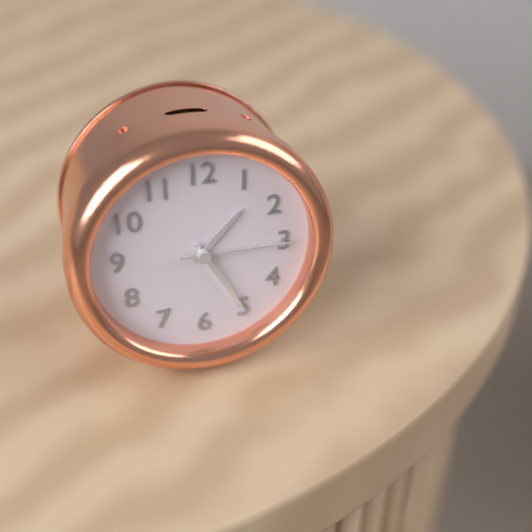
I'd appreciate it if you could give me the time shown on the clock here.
1:25:15
